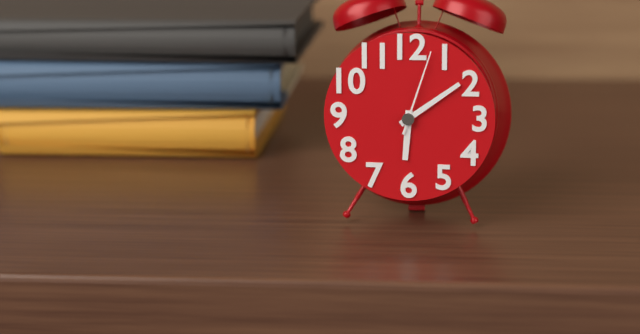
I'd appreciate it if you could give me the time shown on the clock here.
6:09:03
